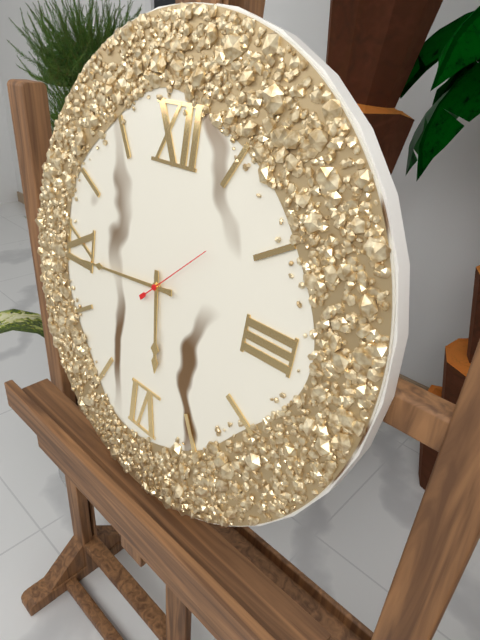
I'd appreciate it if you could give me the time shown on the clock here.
5:44:08
